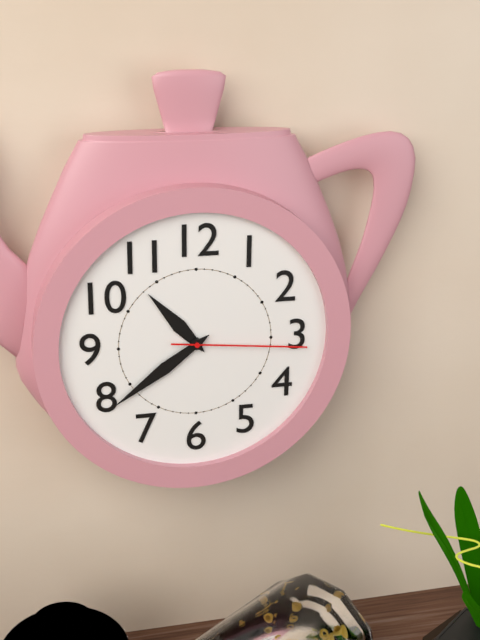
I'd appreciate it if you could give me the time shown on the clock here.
10:39:16
